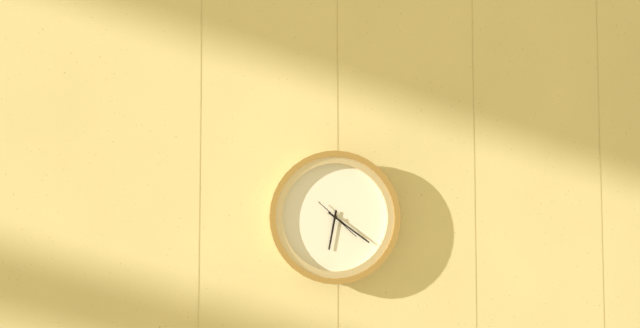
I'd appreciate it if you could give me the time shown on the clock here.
6:21
